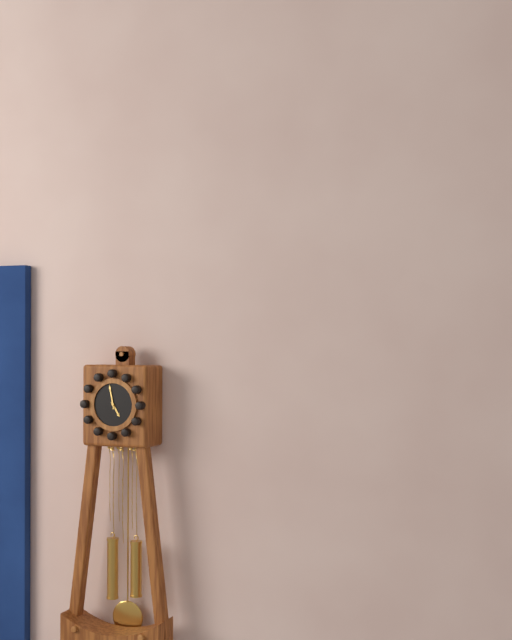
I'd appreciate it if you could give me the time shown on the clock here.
4:58
